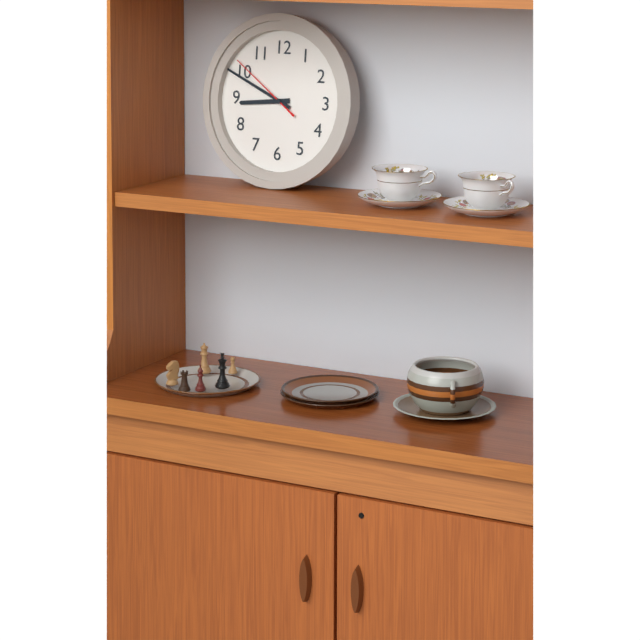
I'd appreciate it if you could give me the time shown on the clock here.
8:49:51
